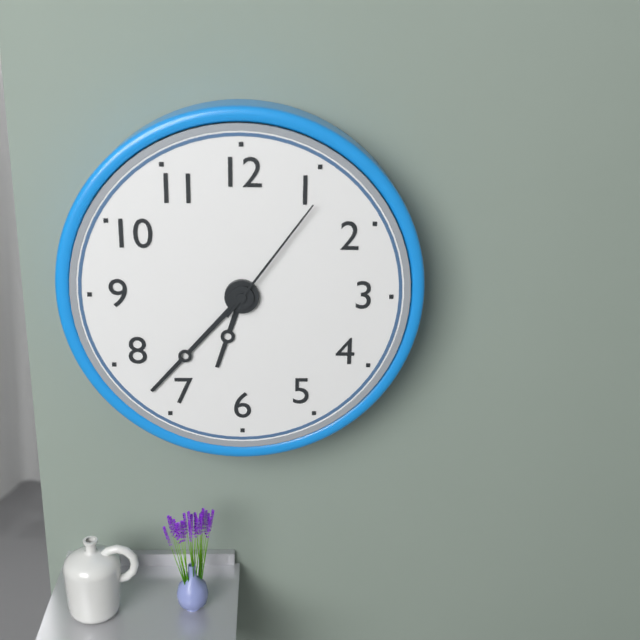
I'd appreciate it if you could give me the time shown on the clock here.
6:37:06
